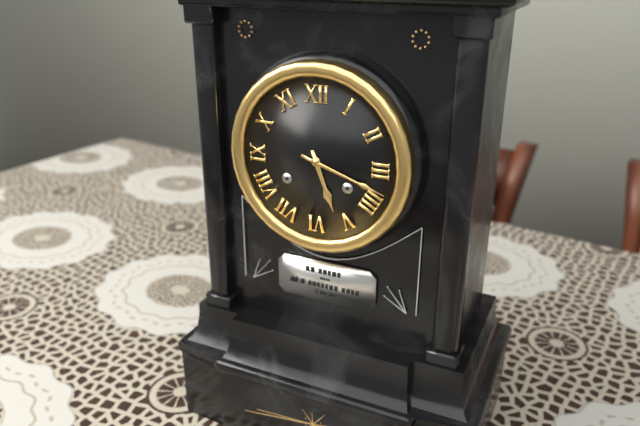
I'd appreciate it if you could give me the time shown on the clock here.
5:18
